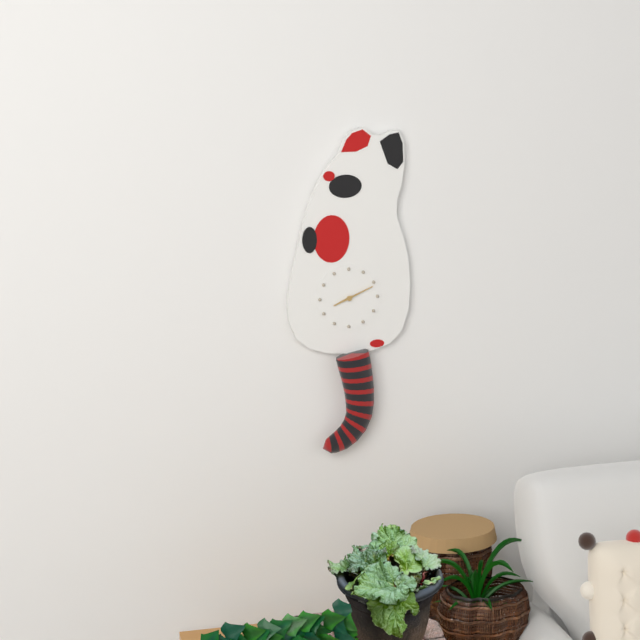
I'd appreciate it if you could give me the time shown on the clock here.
8:11
